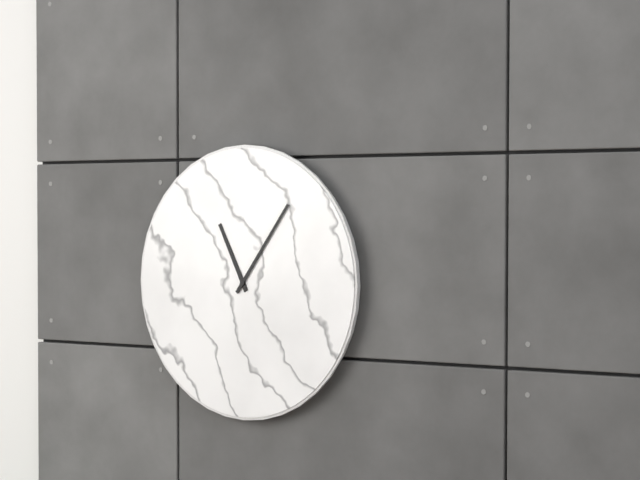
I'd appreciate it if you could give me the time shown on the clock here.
11:06
